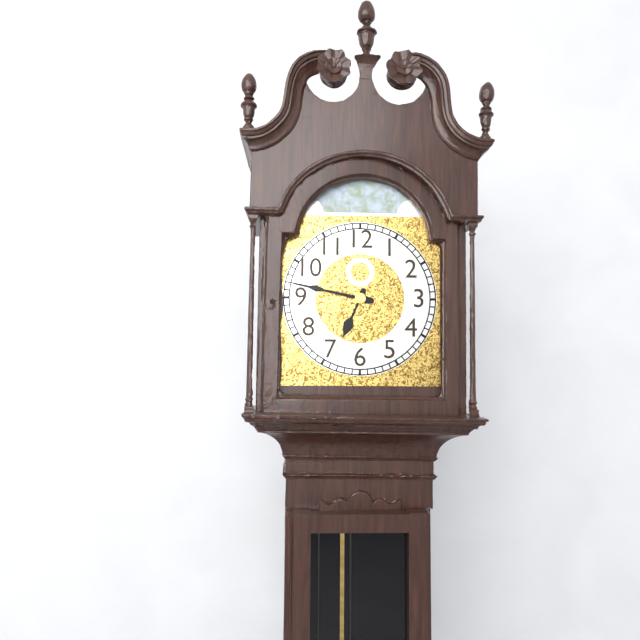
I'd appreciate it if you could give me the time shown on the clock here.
6:47
